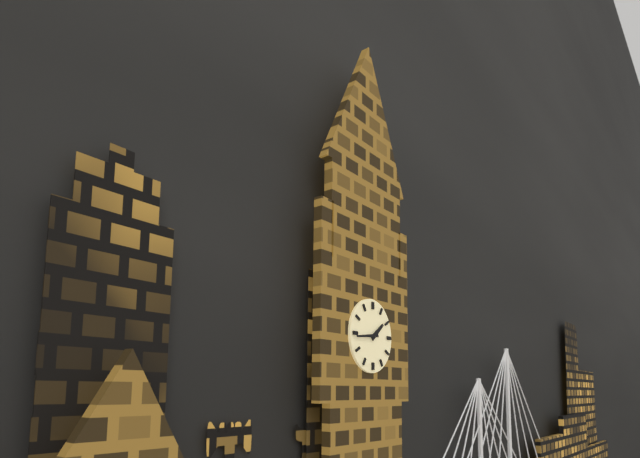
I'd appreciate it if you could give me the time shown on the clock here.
1:44
